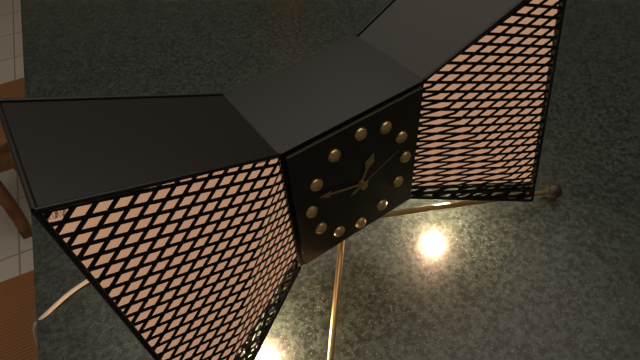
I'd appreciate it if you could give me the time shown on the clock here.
12:48:11
